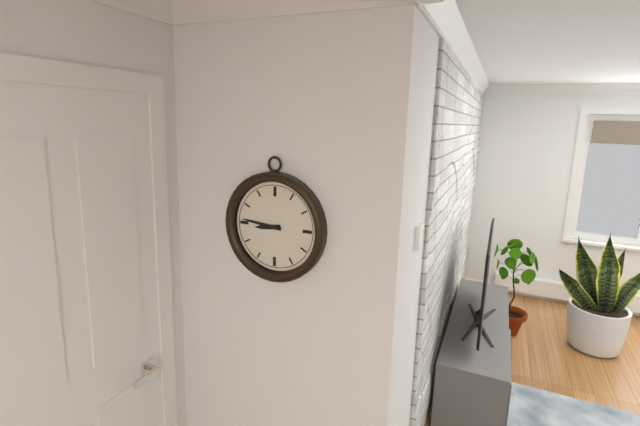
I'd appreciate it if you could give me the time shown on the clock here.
8:46
